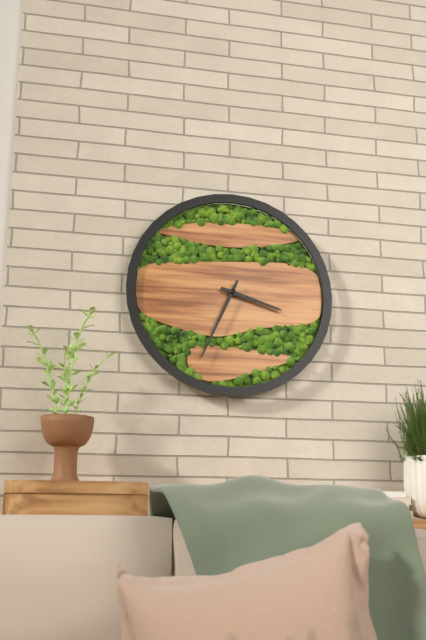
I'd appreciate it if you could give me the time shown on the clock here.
3:34
